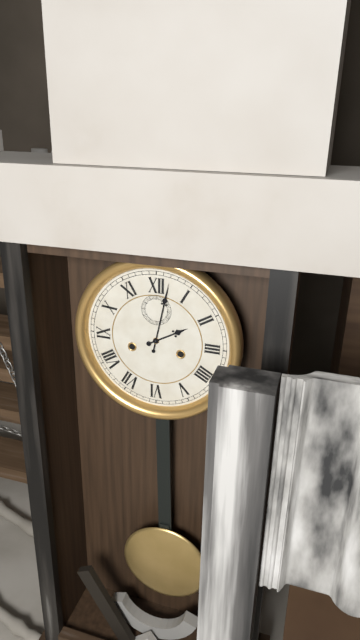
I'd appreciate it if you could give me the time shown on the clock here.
2:02
